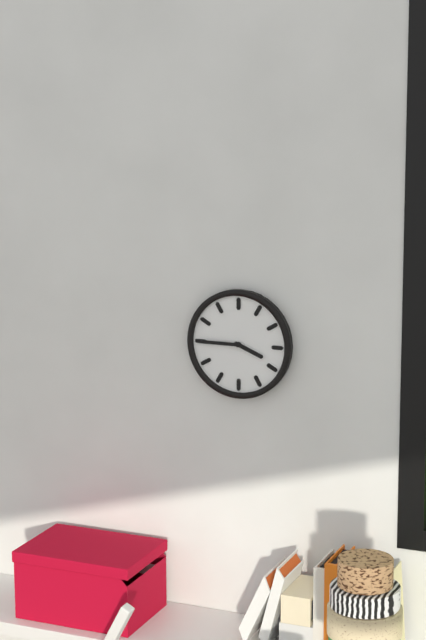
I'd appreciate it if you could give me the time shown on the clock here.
3:45
